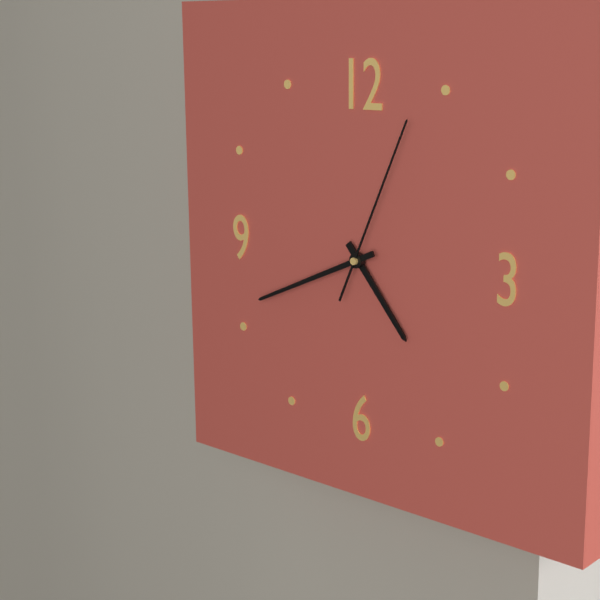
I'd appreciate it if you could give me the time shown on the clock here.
4:41:04
